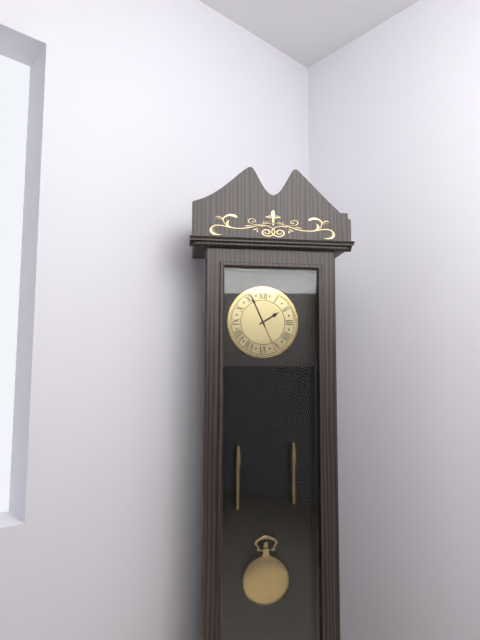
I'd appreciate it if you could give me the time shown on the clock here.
1:56
